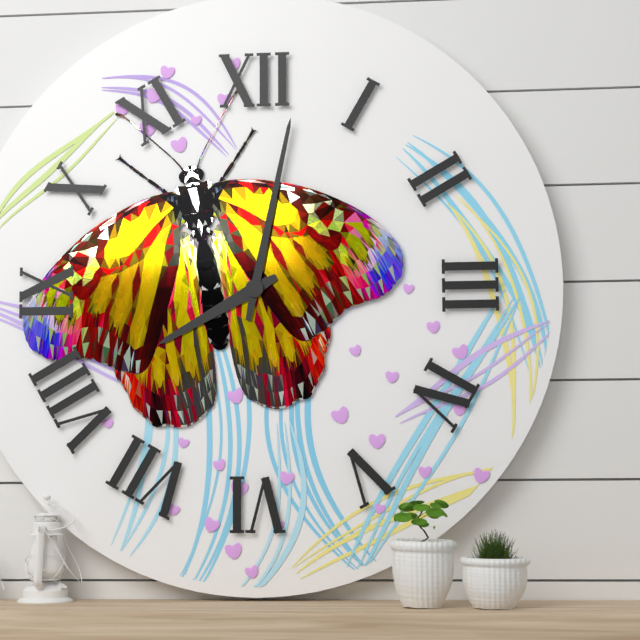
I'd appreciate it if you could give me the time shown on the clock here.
8:02
